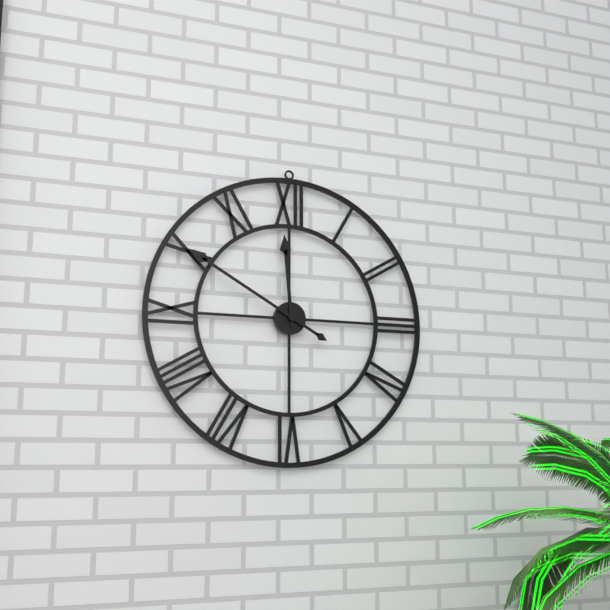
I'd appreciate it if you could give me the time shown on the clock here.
11:50
